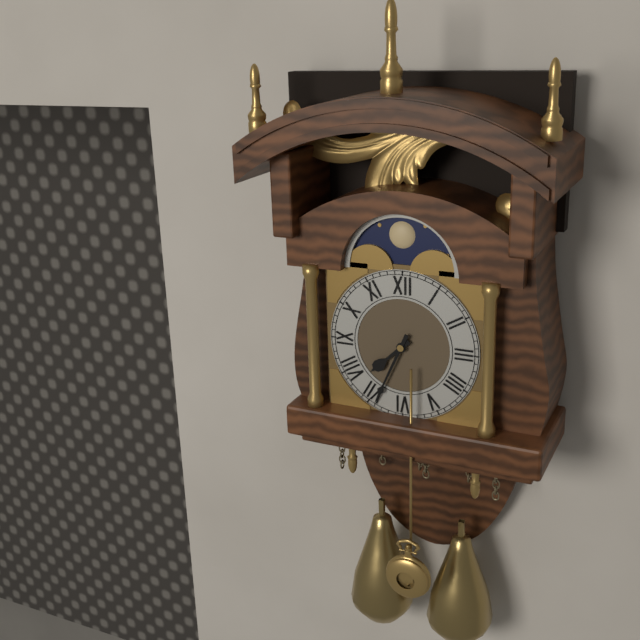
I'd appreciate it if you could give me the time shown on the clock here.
7:34
